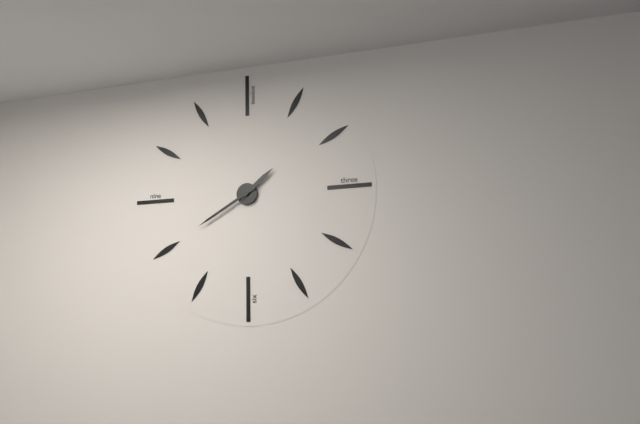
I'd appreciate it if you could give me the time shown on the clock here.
1:40
